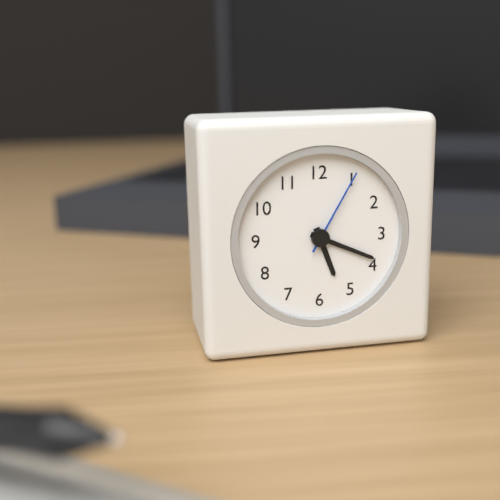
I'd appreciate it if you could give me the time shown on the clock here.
5:19:05
